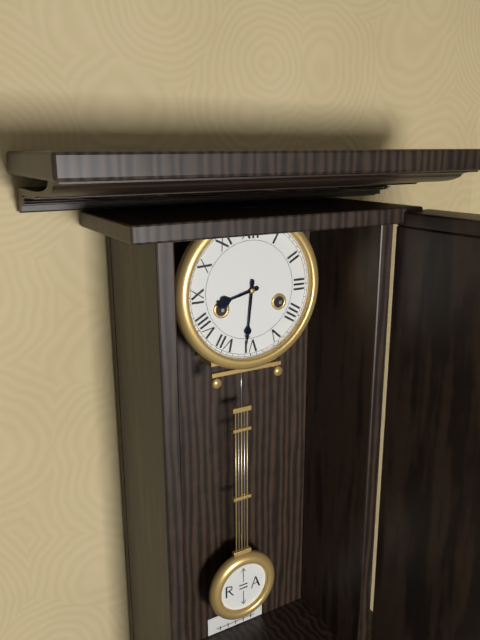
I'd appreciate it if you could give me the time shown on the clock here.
8:31
